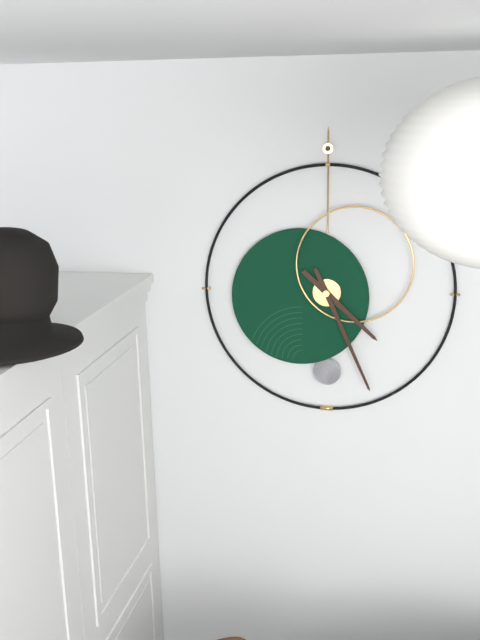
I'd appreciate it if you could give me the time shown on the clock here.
4:26
